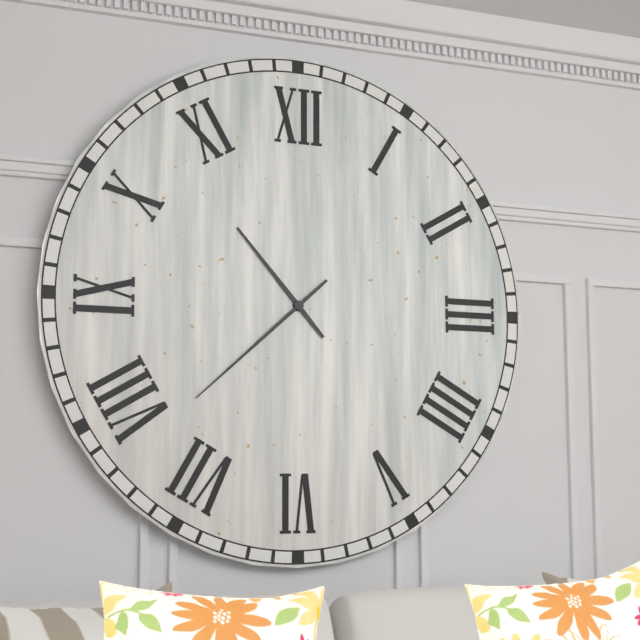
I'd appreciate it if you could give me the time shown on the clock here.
10:38
